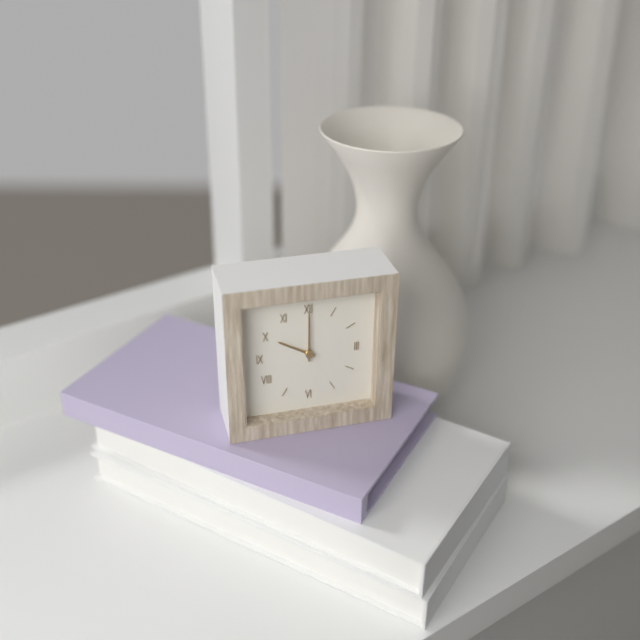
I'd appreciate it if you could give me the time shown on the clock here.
10:00
